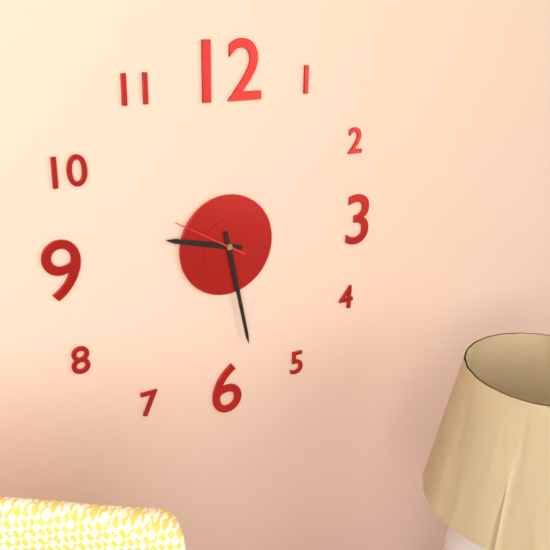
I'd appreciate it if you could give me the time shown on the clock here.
9:28:50
